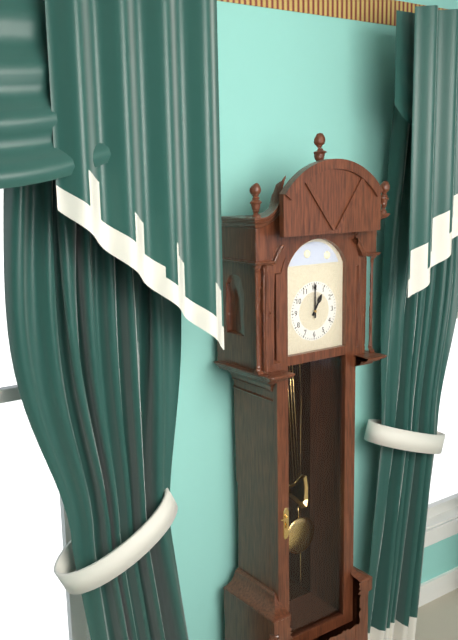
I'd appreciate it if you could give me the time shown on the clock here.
1:00
